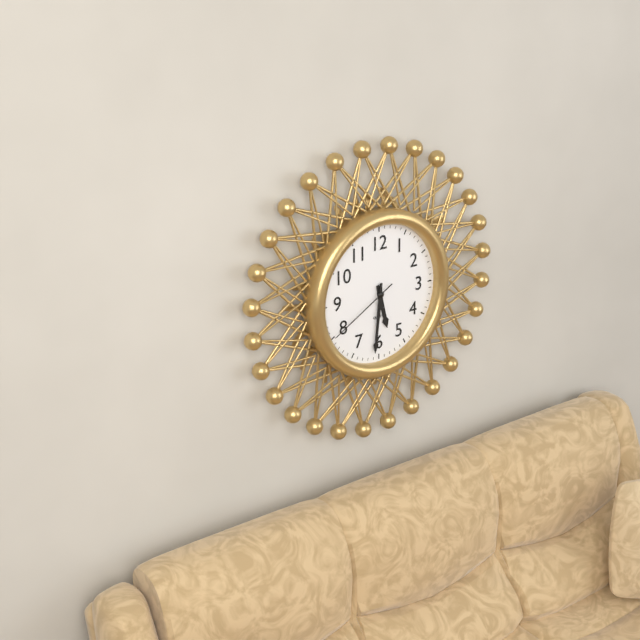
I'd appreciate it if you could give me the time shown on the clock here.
5:31:40
